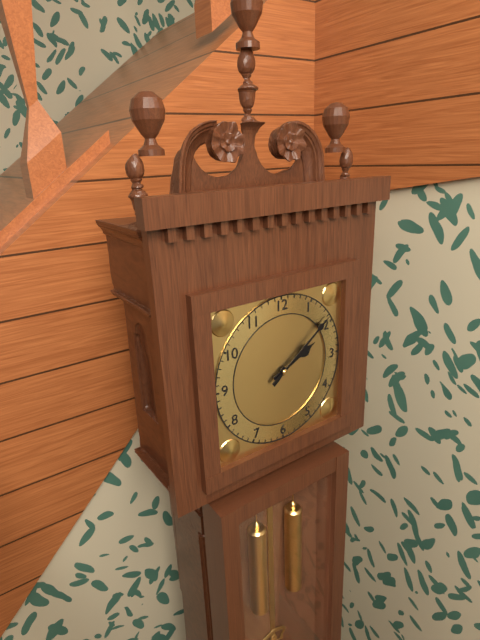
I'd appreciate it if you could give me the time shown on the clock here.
2:09
